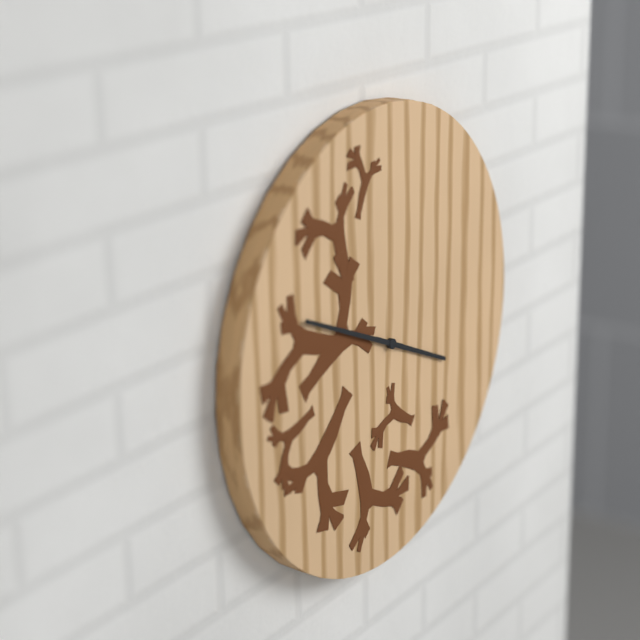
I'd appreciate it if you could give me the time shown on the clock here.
3:49
